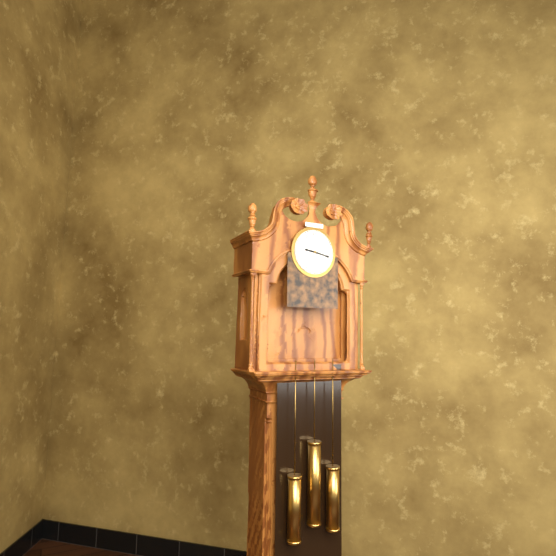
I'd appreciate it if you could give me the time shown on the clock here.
9:17
